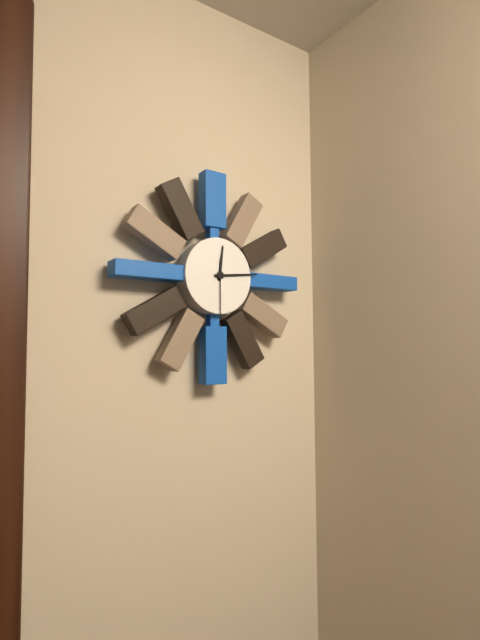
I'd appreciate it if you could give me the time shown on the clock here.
12:14
